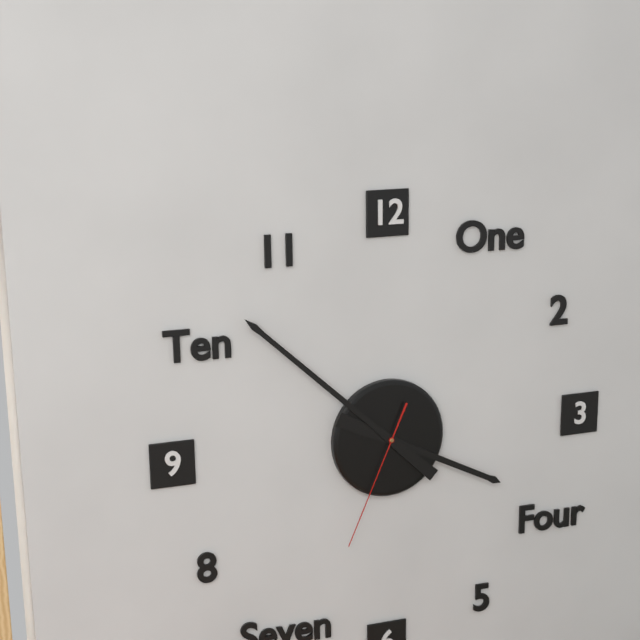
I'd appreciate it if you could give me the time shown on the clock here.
3:52:34
